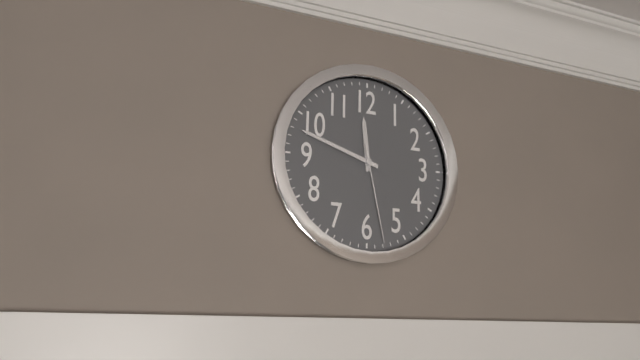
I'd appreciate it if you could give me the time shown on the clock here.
11:48:28
